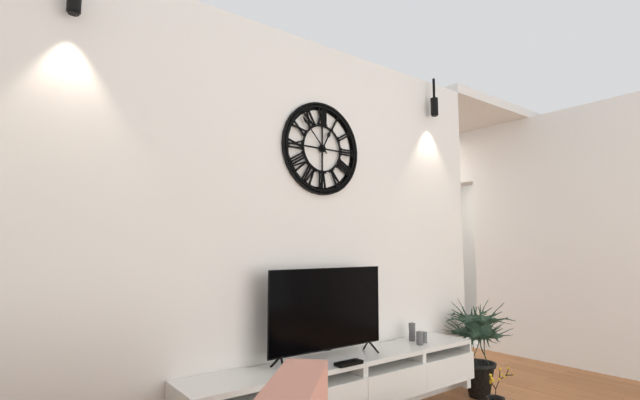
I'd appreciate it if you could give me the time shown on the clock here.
12:53
